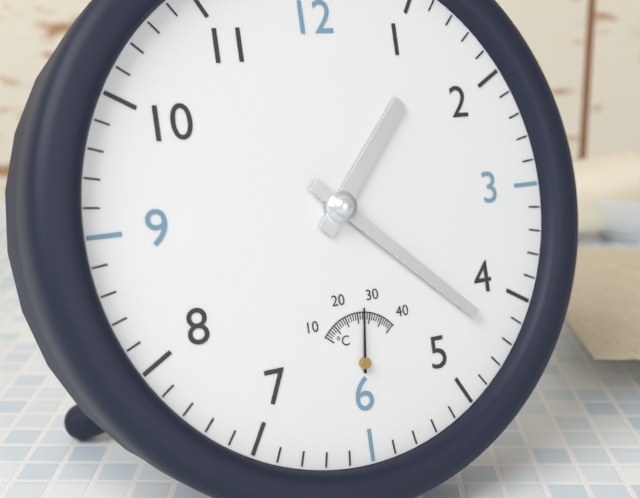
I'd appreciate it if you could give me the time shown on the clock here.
1:22
